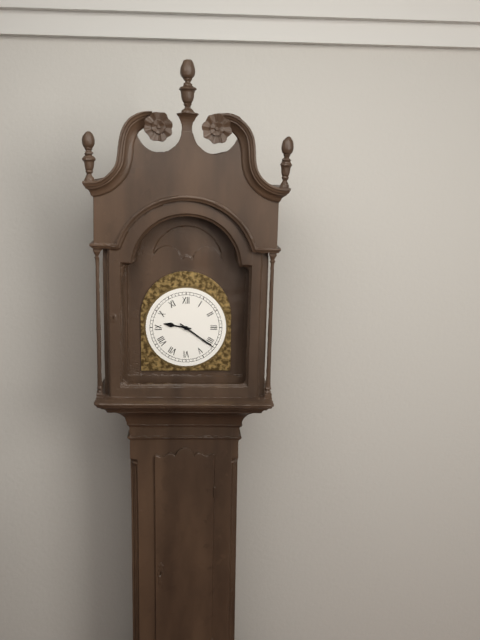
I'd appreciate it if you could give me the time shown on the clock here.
9:21
